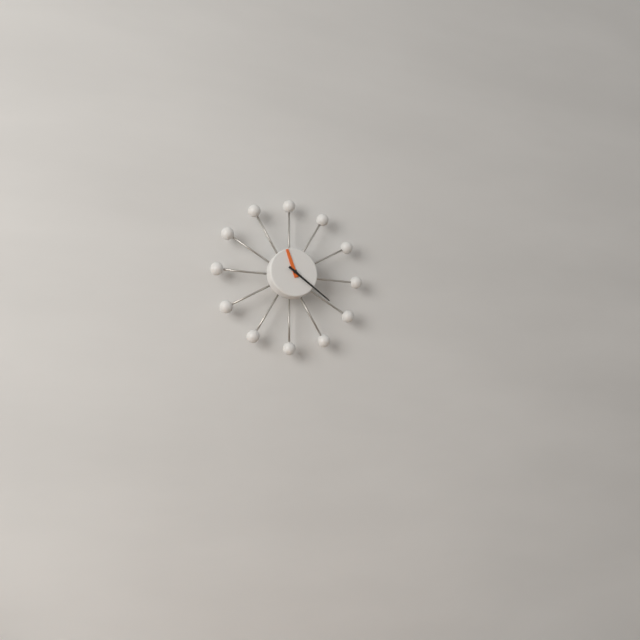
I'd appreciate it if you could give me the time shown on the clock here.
11:21
